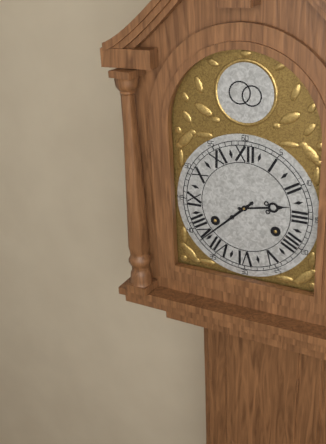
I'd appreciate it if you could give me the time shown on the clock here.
2:38
